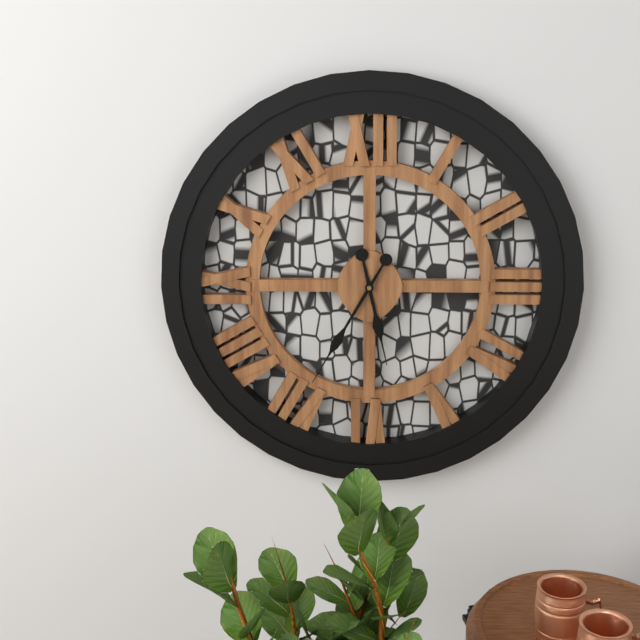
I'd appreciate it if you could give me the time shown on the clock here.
5:35
